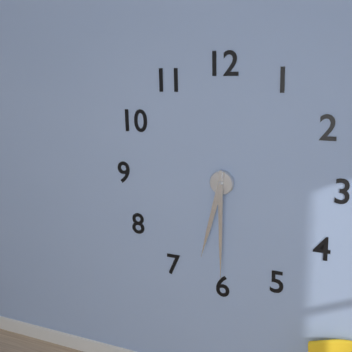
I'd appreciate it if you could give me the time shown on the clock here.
6:30
